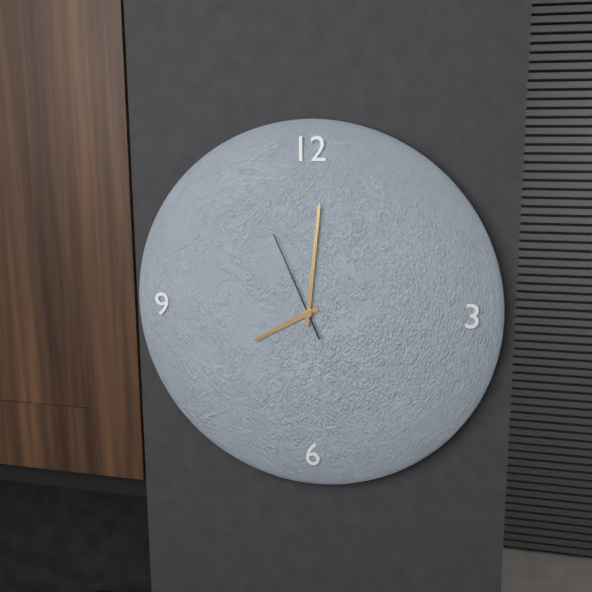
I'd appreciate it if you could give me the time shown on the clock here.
8:01:56
